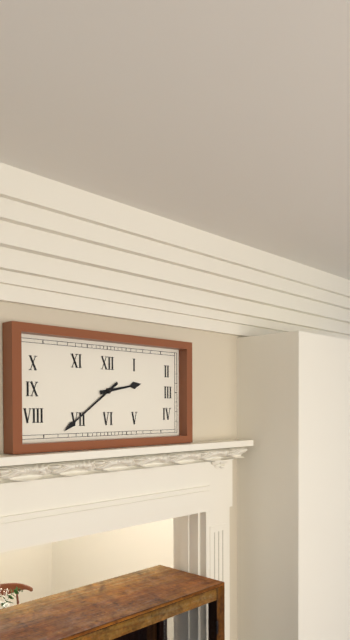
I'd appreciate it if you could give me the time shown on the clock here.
2:39
